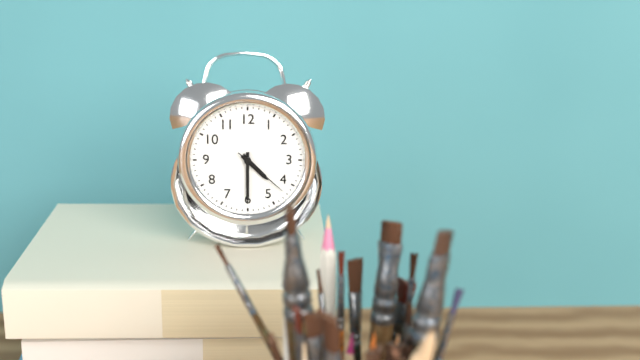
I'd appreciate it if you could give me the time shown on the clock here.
4:30:22
